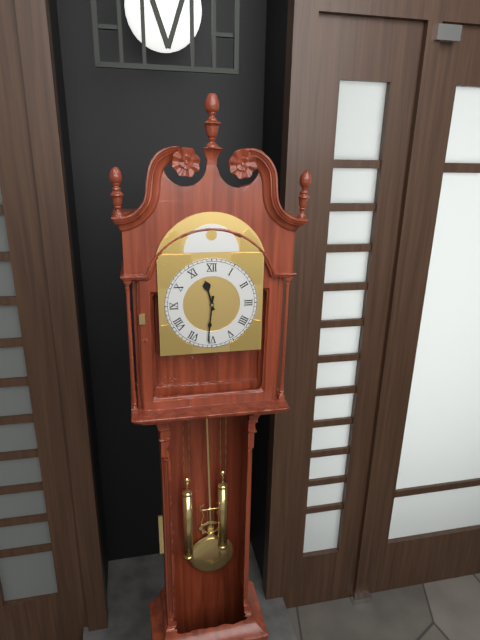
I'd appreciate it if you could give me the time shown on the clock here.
11:31
